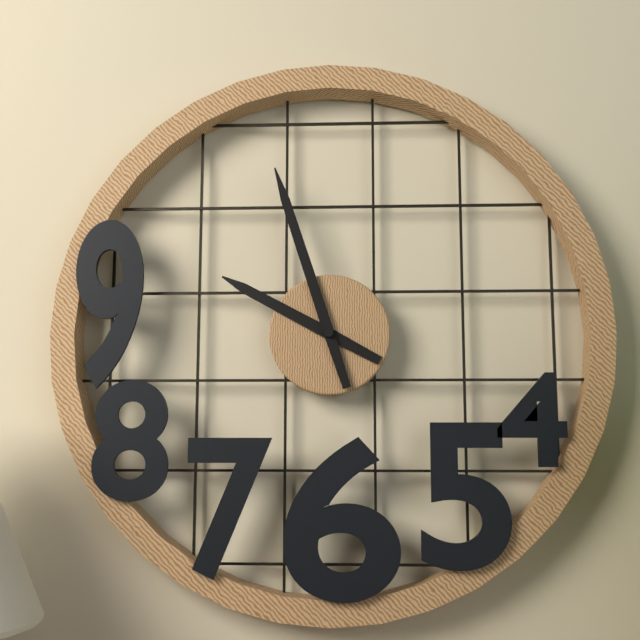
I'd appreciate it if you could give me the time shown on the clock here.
9:57
